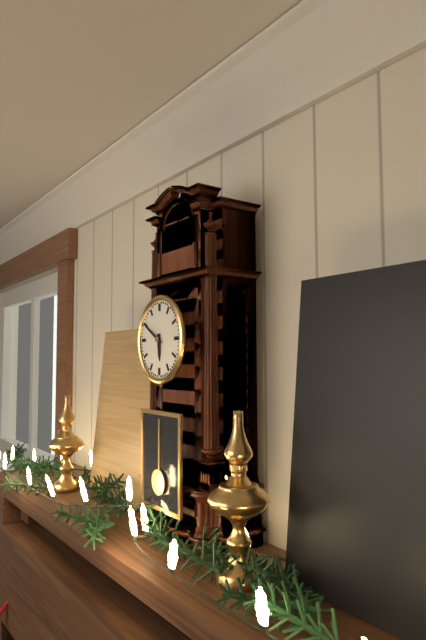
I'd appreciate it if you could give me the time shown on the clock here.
5:50
